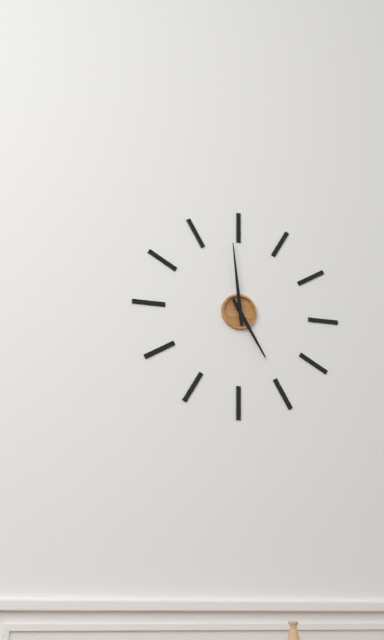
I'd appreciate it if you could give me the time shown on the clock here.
4:59
